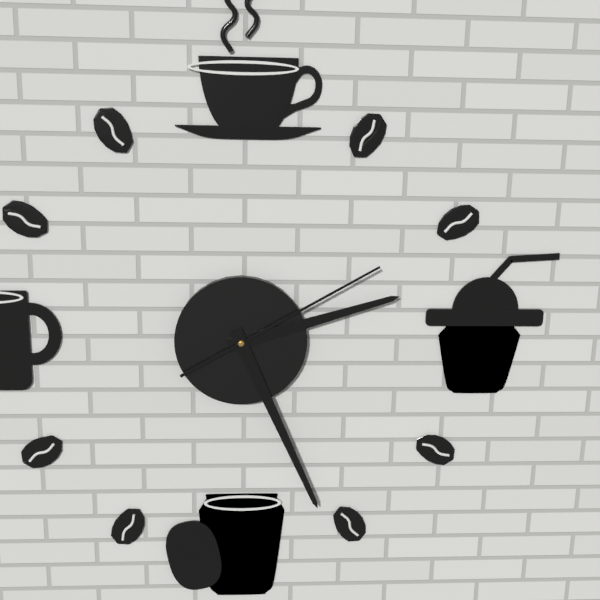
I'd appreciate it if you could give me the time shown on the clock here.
2:26:10
